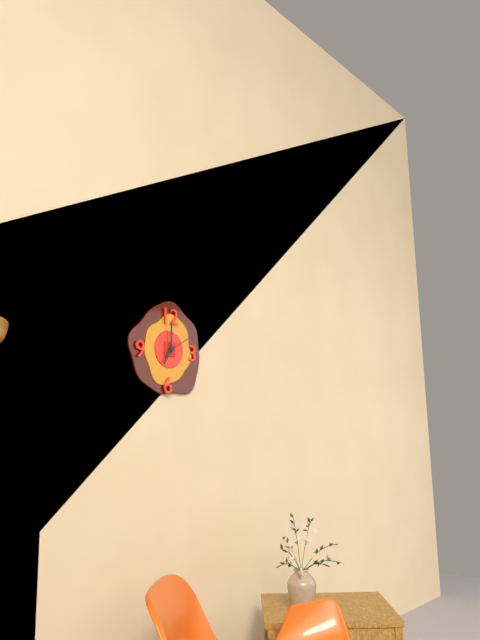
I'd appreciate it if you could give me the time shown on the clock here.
7:00
